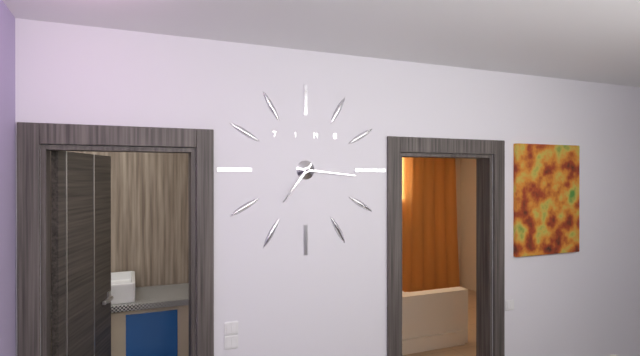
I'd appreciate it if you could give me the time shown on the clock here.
7:16
